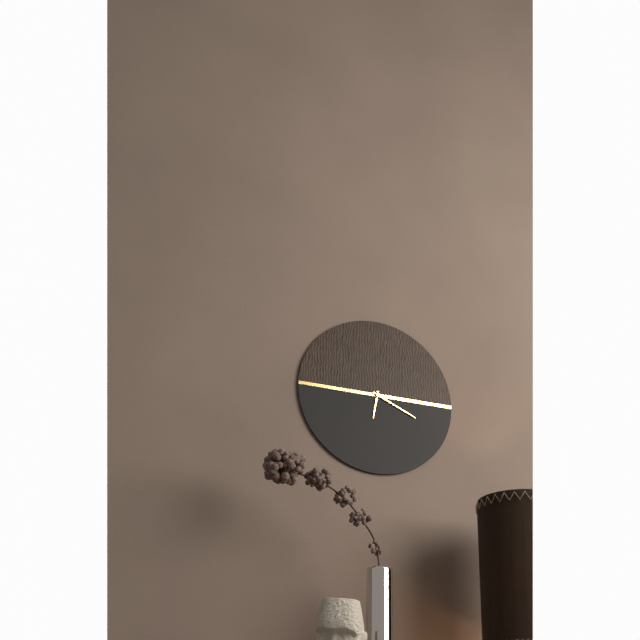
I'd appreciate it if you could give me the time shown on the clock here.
6:19
